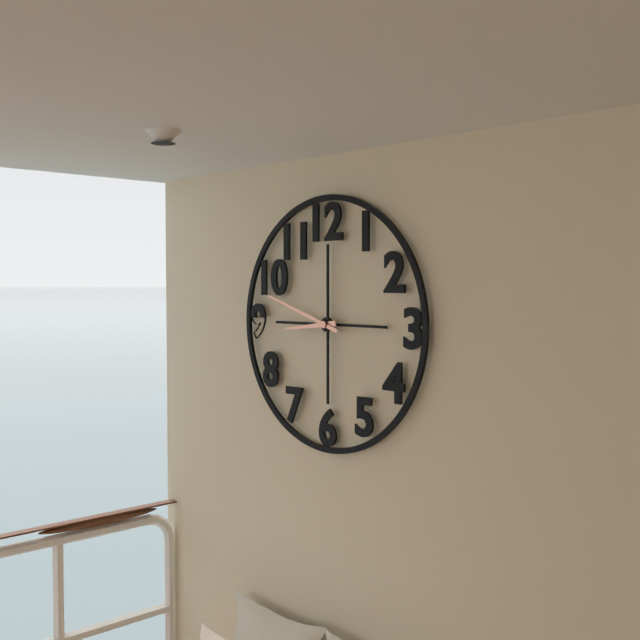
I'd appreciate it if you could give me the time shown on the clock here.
8:48
